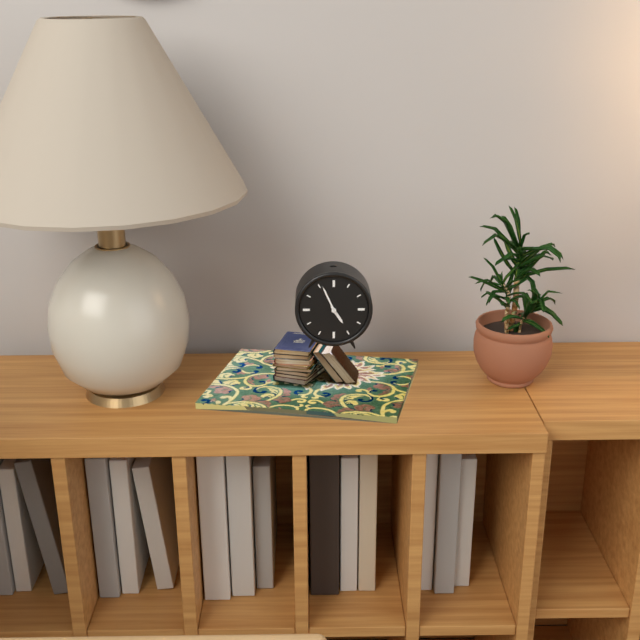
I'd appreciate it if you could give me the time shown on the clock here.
4:56
